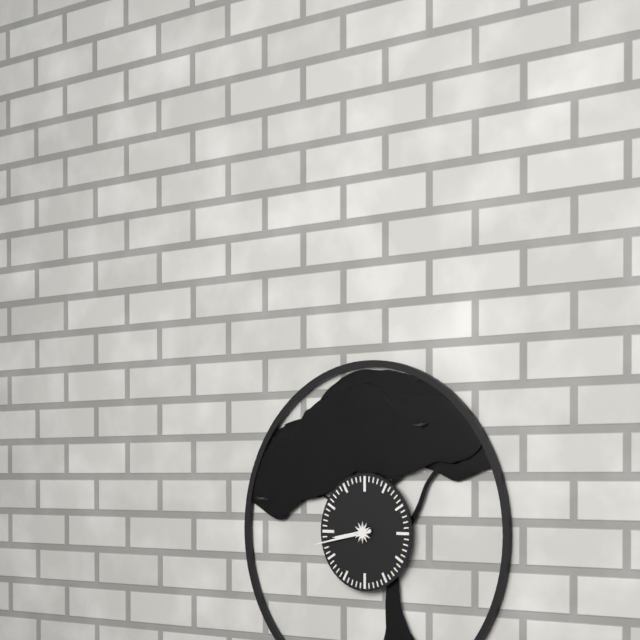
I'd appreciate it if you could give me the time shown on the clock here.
8:43
